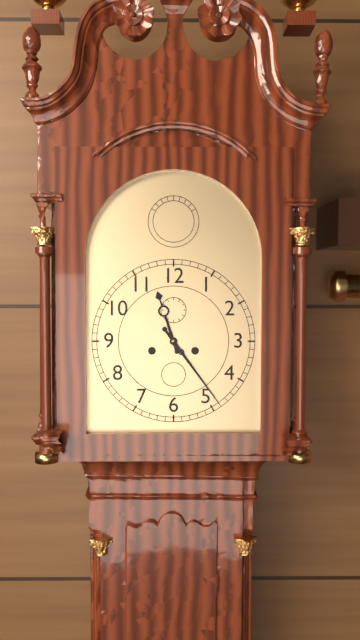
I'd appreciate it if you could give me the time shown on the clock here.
11:24
